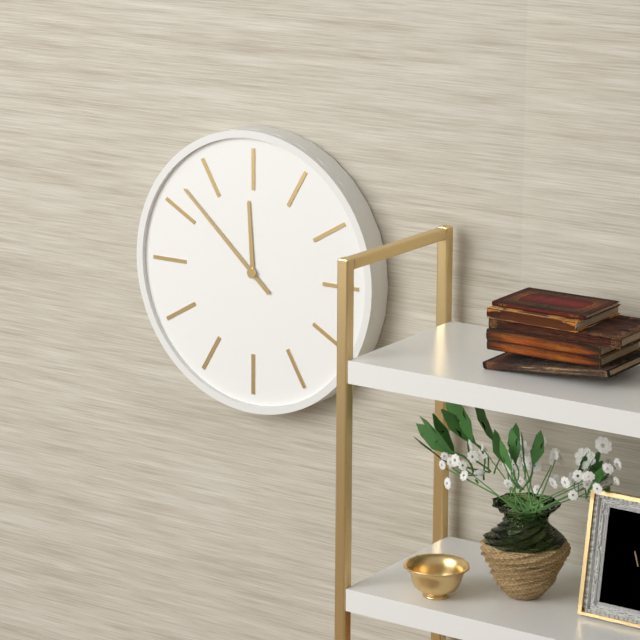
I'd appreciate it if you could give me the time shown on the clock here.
11:52
